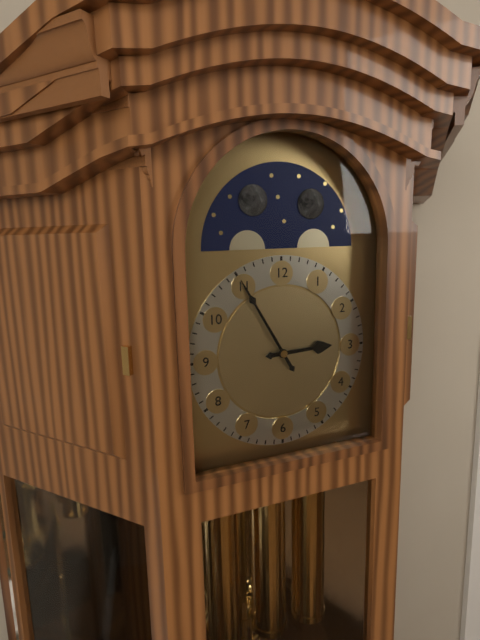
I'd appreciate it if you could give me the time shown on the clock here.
2:55
